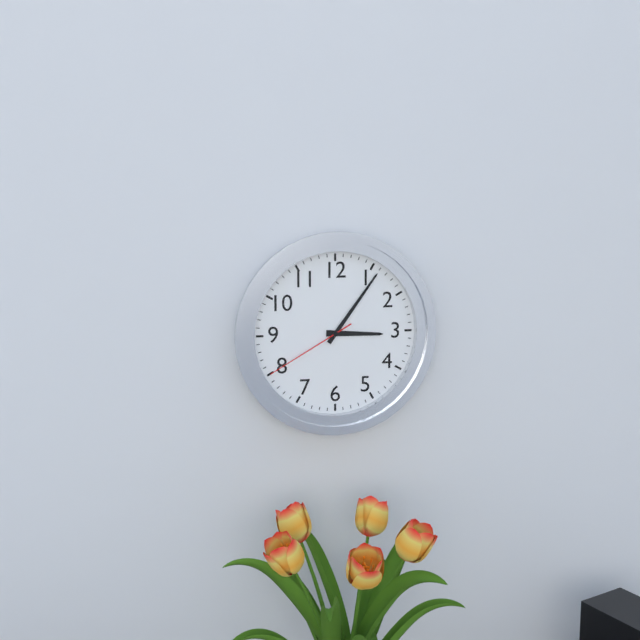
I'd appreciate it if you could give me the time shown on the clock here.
3:06:40
